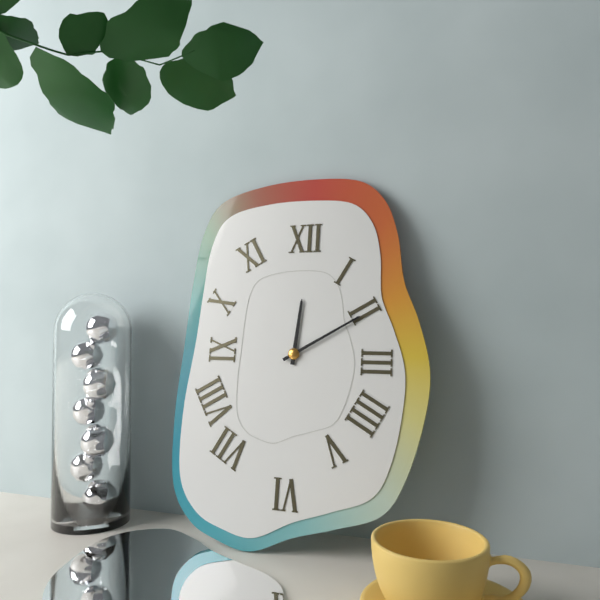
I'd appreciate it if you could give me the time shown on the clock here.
12:10
